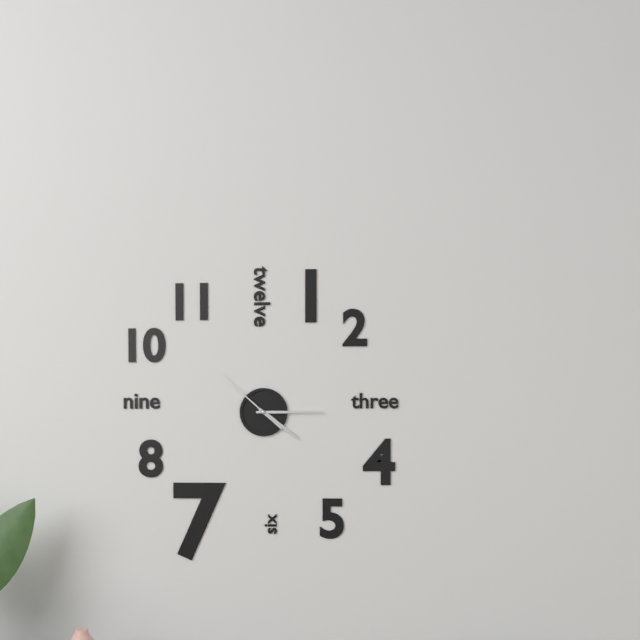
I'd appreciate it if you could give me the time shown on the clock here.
4:15:52
